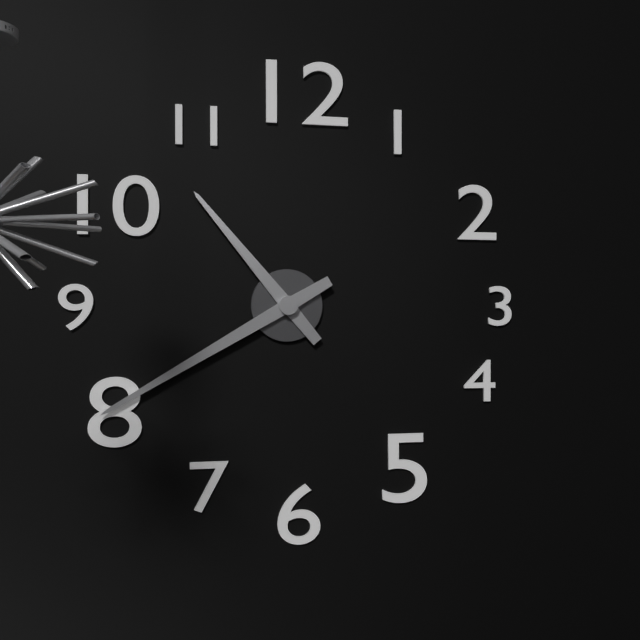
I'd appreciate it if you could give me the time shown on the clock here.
10:40
